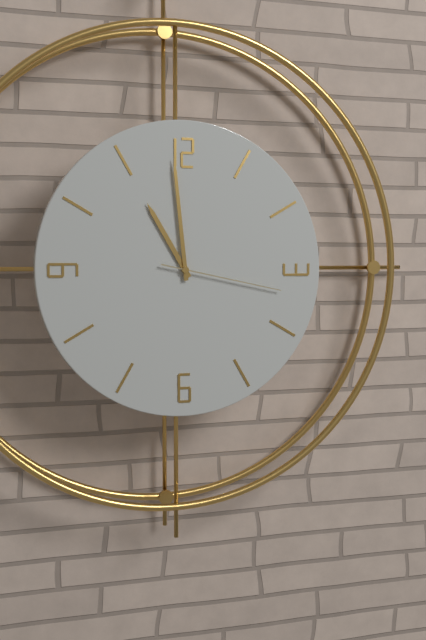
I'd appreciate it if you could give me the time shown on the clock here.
10:59:17
